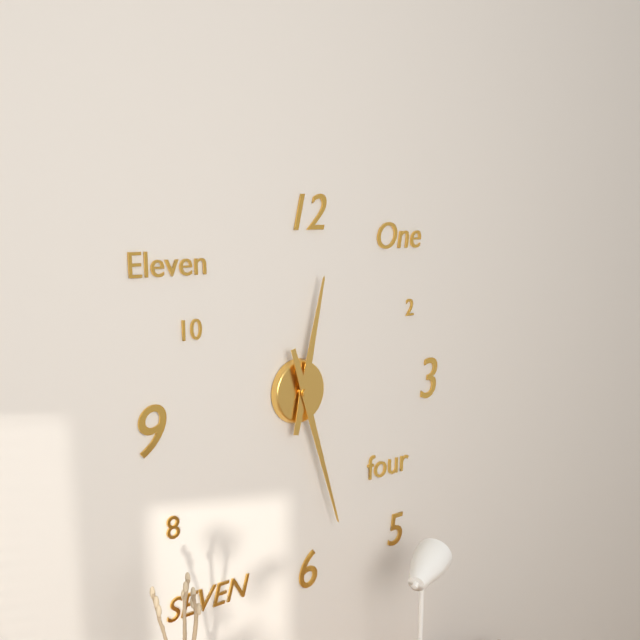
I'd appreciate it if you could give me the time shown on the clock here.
12:27
